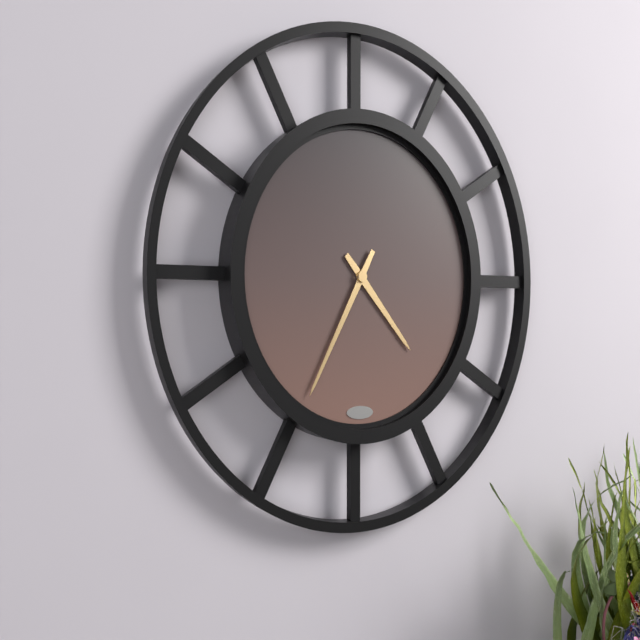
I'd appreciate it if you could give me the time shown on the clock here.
4:35
